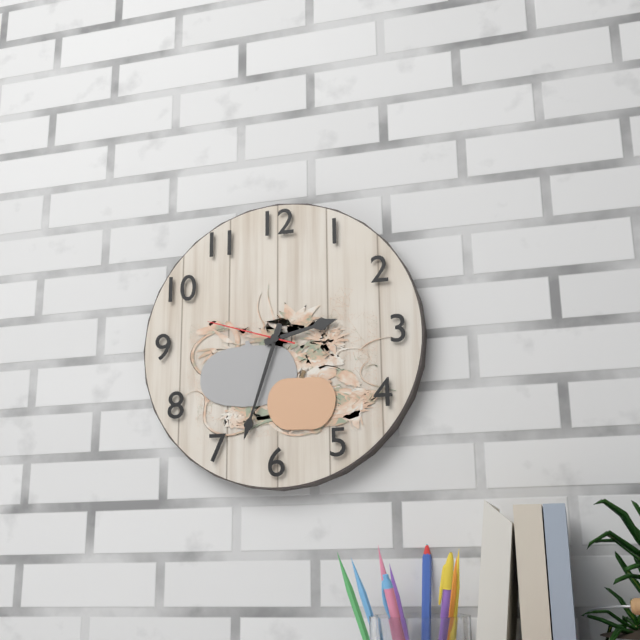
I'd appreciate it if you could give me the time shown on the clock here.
2:33:48
